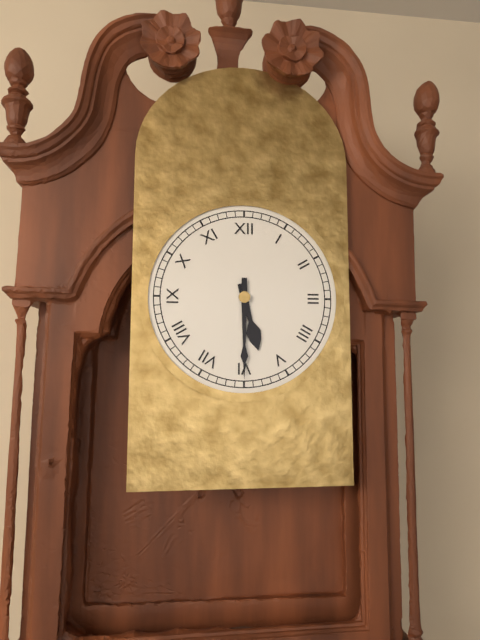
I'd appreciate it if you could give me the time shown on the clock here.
5:30
